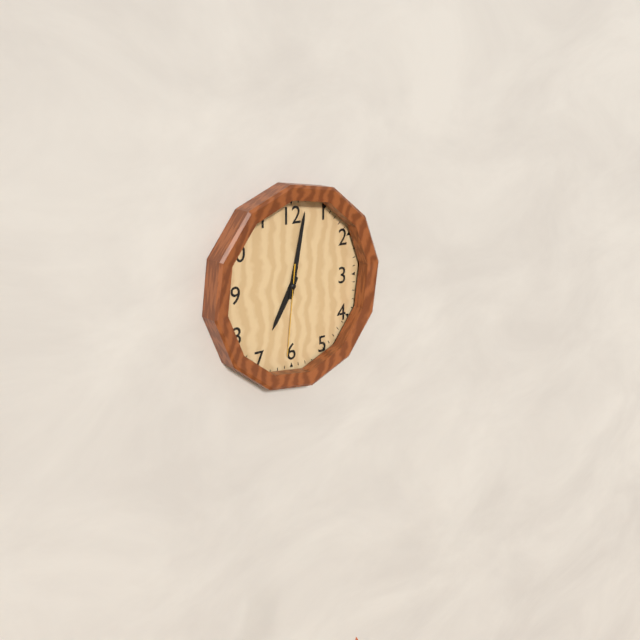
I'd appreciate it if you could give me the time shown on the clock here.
7:02:31
